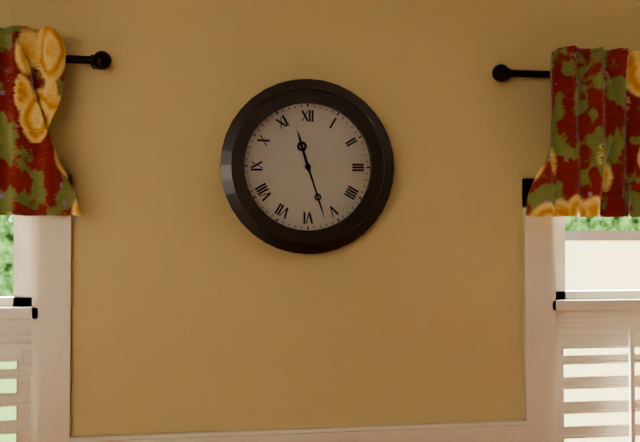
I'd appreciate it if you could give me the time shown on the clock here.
11:27
